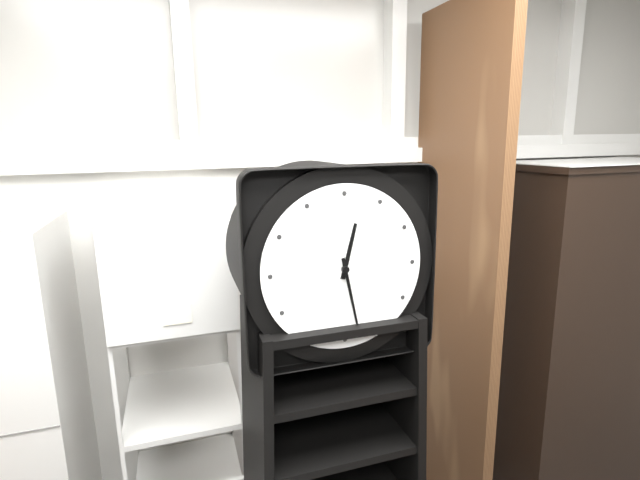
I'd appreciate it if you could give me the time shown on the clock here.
12:28
